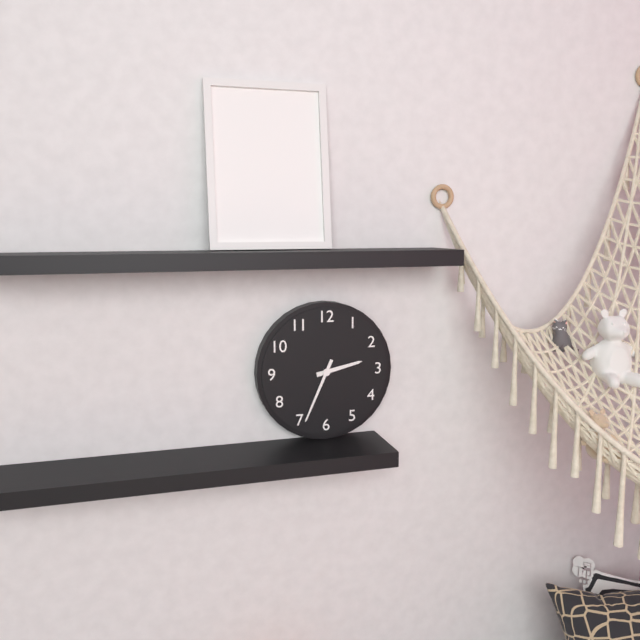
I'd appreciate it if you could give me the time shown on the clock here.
2:34
